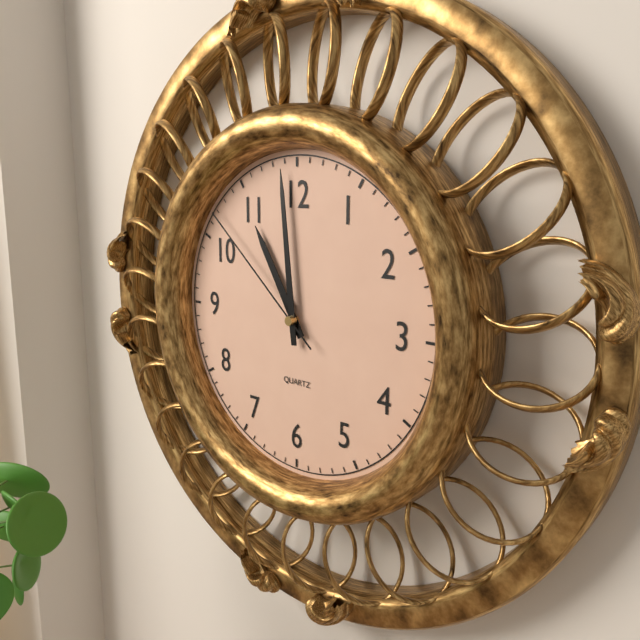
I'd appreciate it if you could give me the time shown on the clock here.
10:59:52
